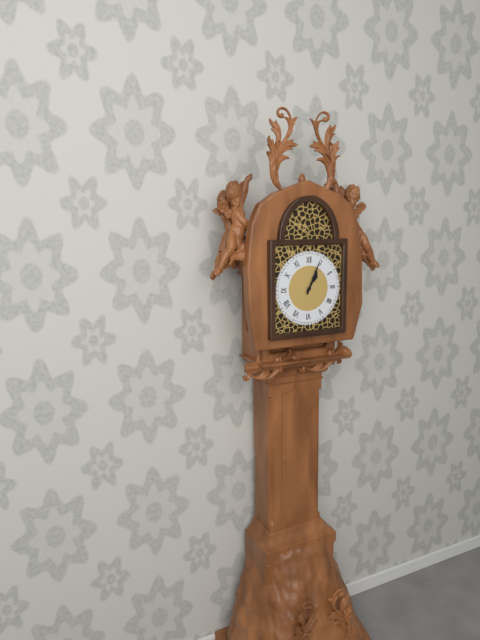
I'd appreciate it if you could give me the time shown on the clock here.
1:04
